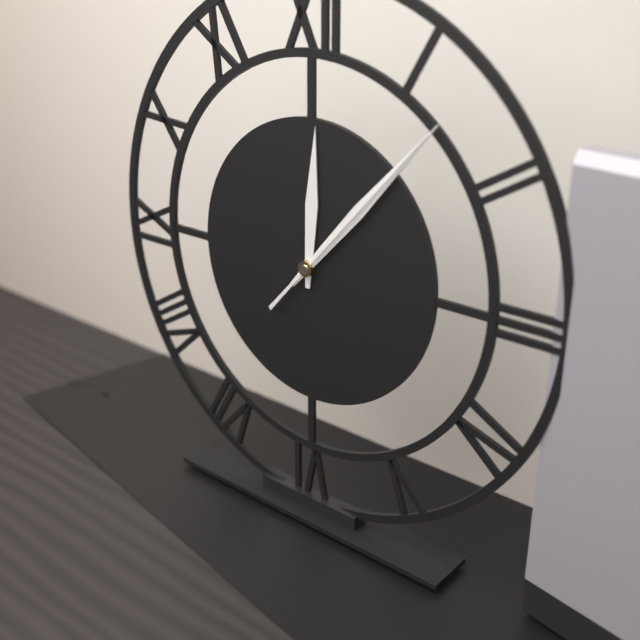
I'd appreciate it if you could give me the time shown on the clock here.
12:07:07
